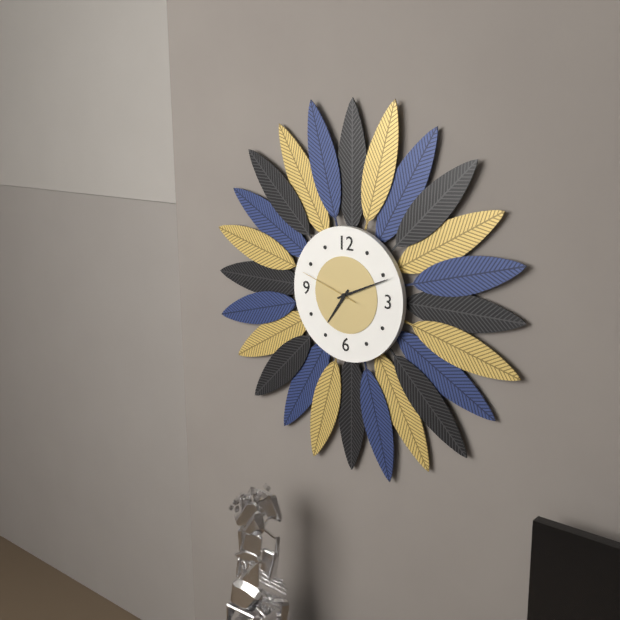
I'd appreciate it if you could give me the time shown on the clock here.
7:11:48
